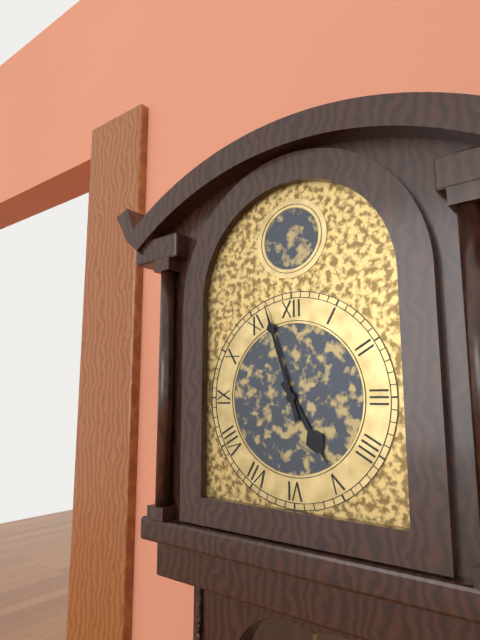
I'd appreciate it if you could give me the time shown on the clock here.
4:57
